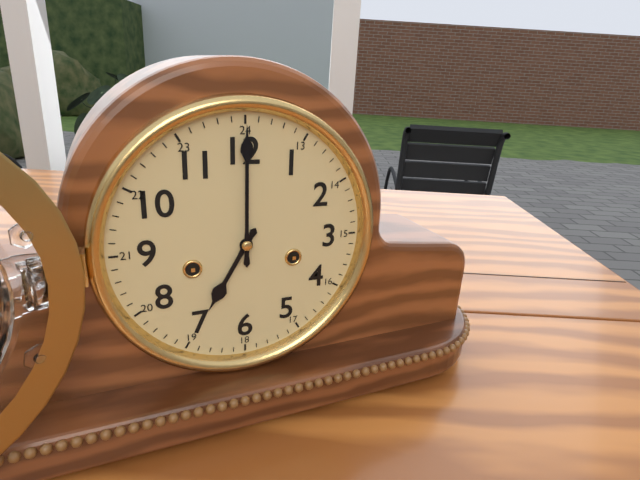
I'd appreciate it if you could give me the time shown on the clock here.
7:00
